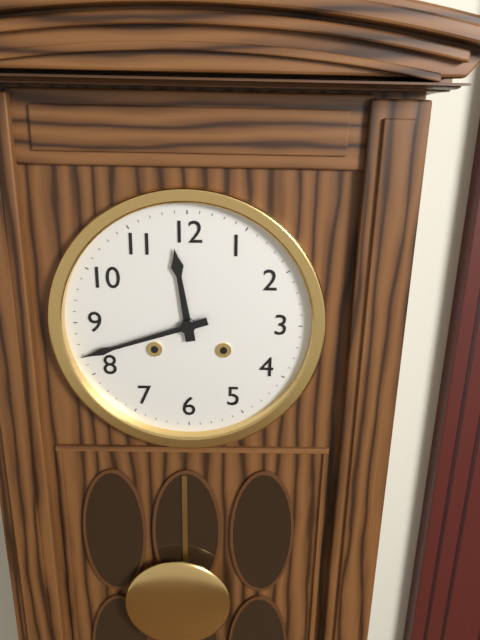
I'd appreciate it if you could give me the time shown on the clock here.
11:42
